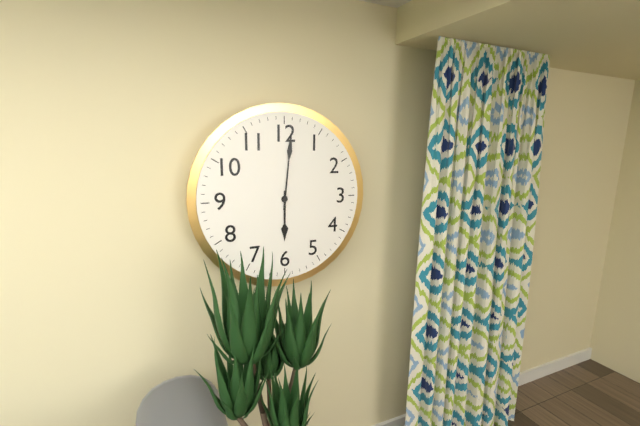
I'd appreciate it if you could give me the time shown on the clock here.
6:01
